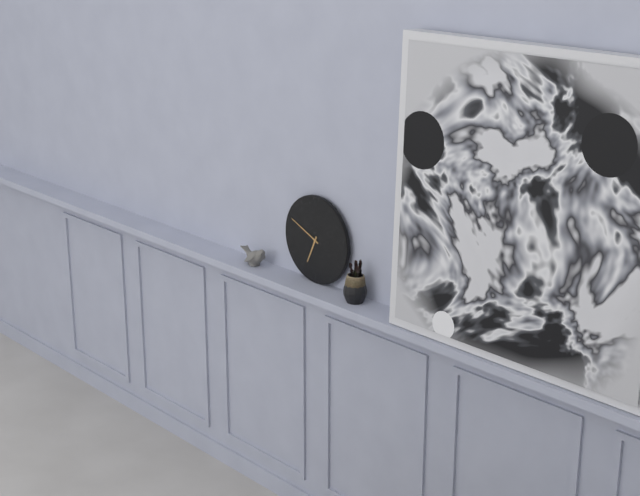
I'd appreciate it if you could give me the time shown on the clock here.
6:49
